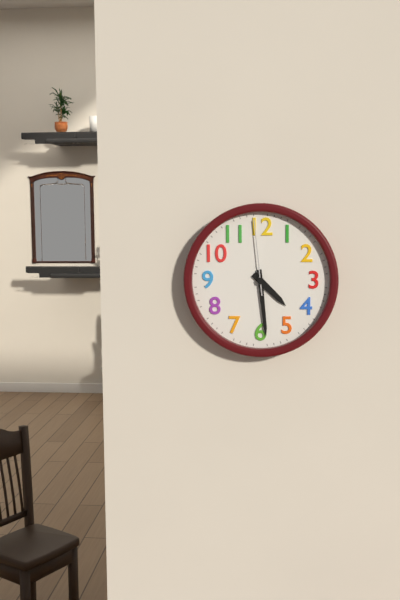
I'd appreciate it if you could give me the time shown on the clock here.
4:29:59
